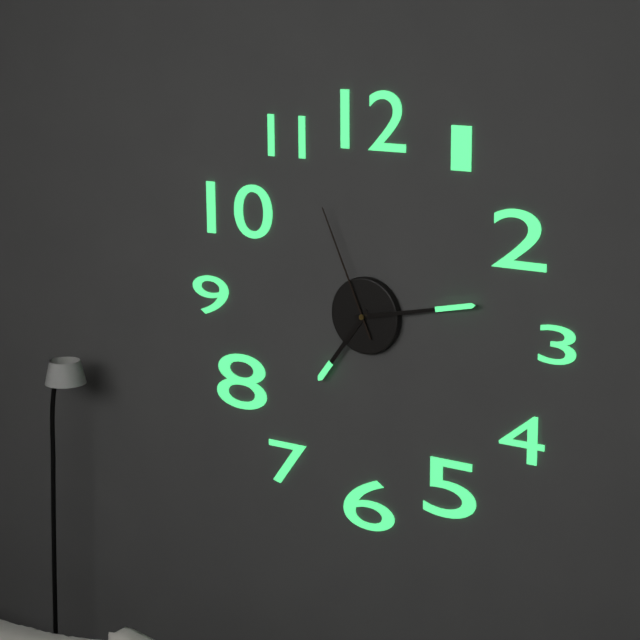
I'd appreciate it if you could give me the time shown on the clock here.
7:13:56
